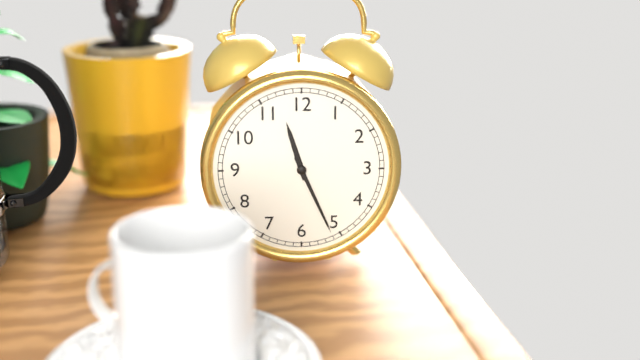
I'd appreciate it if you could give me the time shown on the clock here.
11:26
